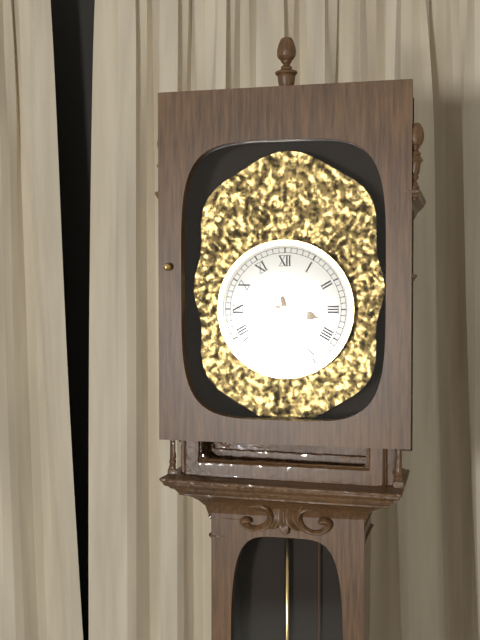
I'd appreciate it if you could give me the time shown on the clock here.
3:28
